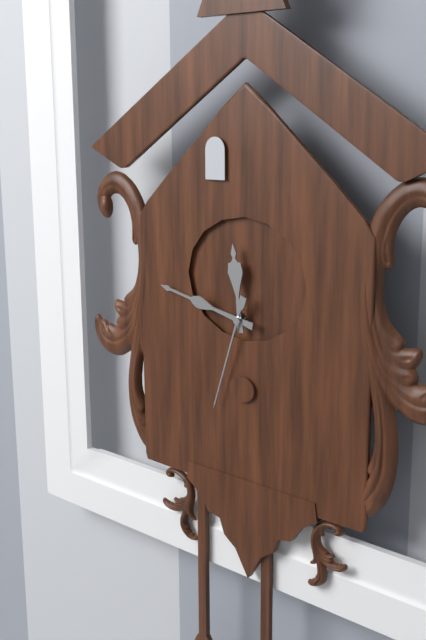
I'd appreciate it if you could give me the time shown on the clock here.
11:47:33
